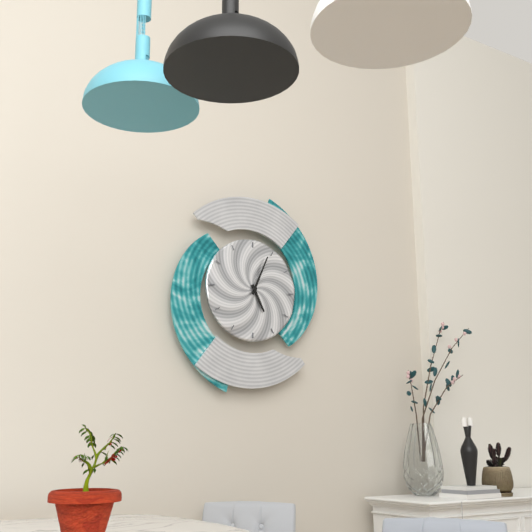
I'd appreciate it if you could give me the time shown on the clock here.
5:04
